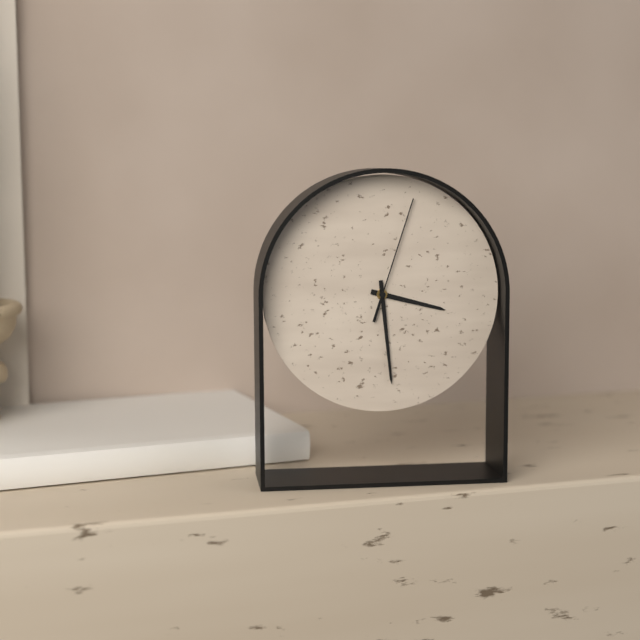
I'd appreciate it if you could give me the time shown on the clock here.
3:29:03
